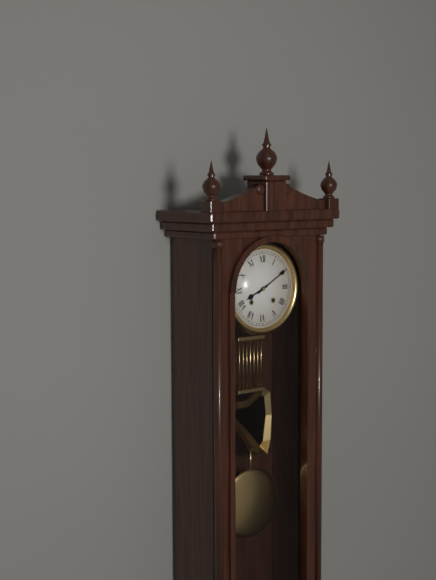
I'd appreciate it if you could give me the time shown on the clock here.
8:10
